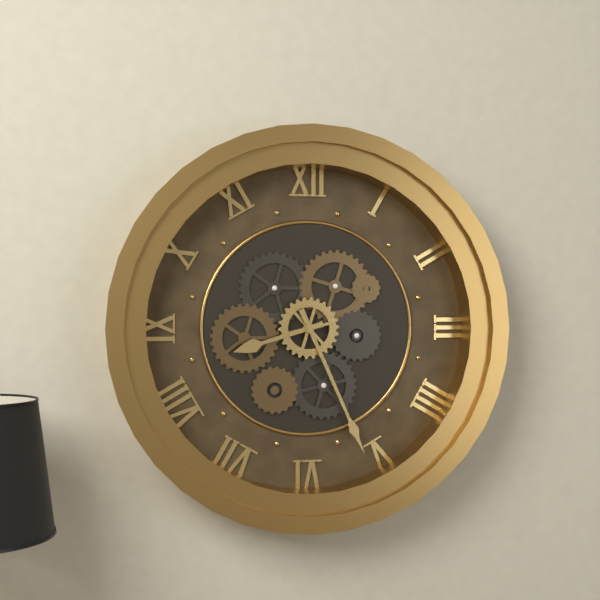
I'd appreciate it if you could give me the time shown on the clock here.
8:26
